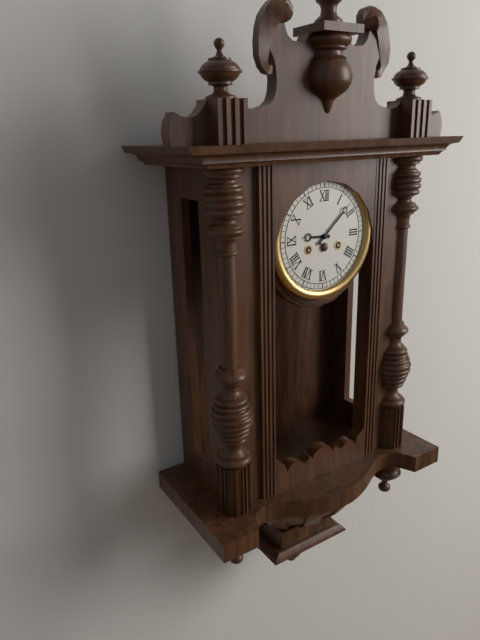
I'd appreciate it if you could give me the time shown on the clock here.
9:08
